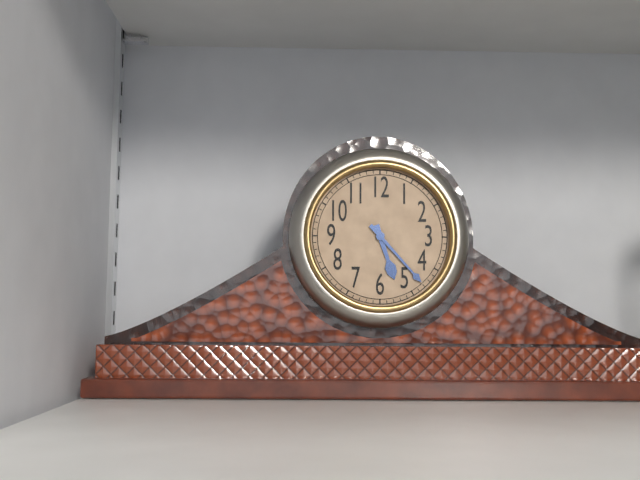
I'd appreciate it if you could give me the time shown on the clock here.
5:23
